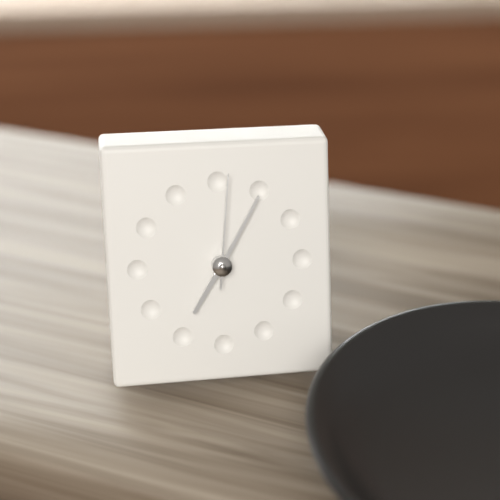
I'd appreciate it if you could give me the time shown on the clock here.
7:05:01
